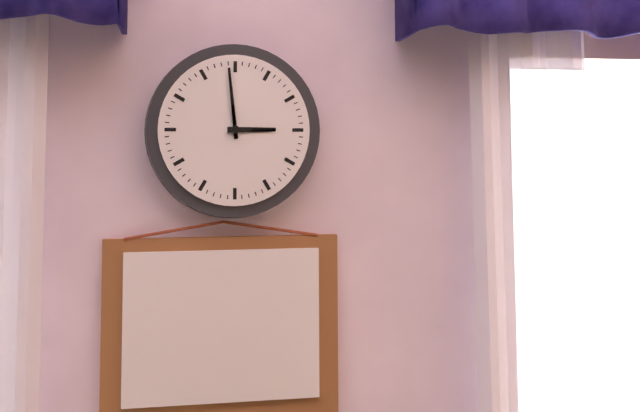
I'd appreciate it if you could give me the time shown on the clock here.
2:59
